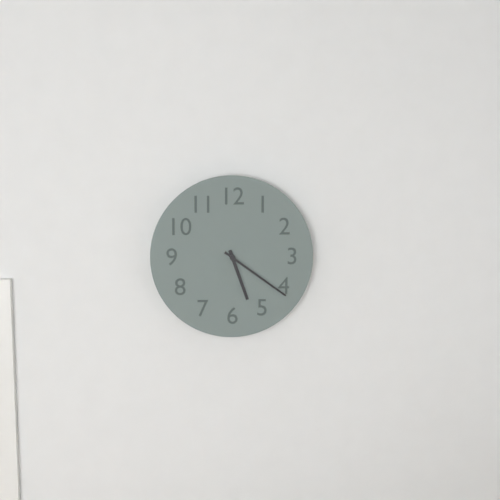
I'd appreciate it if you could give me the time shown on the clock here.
5:21
